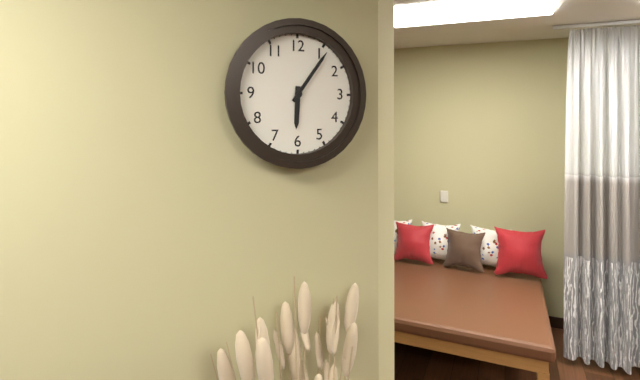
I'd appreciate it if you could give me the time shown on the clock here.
6:06
